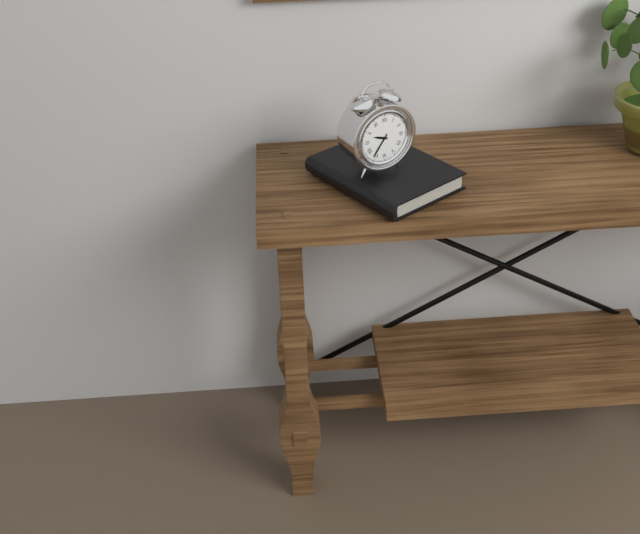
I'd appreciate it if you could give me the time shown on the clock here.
9:36
